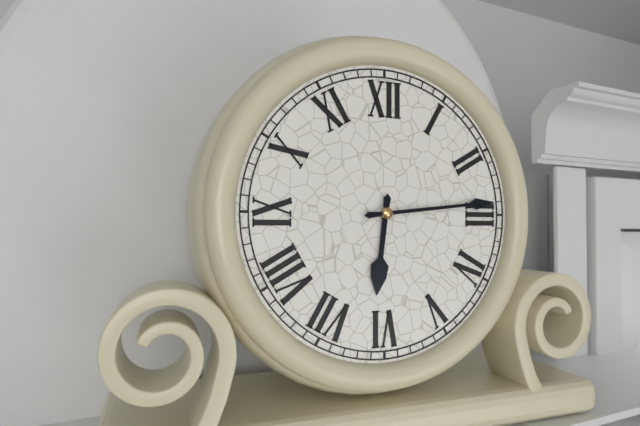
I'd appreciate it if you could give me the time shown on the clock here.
6:14
